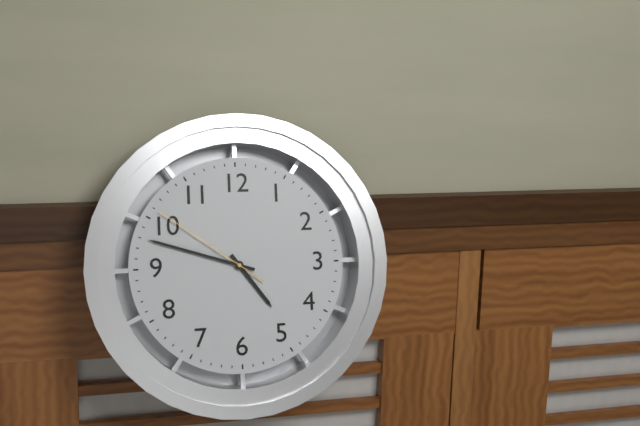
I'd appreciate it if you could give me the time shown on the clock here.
4:48:51
